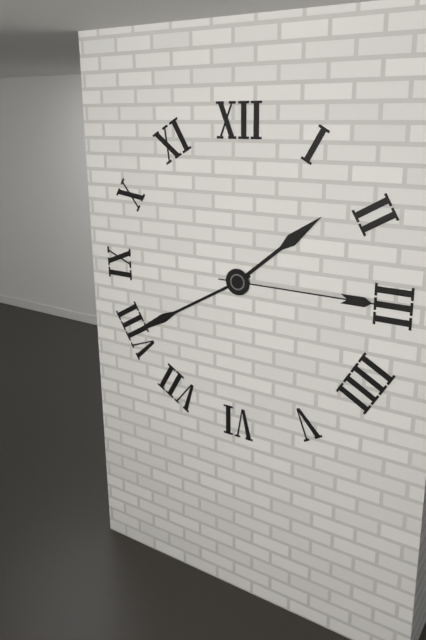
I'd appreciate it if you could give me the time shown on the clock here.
1:40:15
